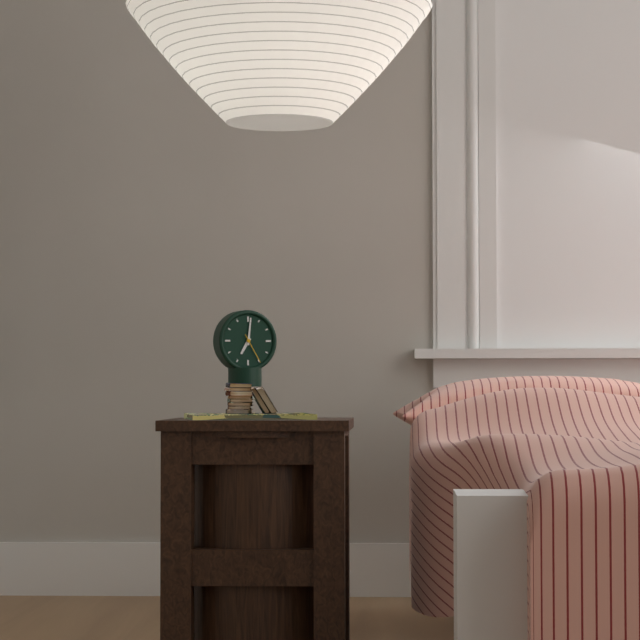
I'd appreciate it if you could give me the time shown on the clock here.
7:01
